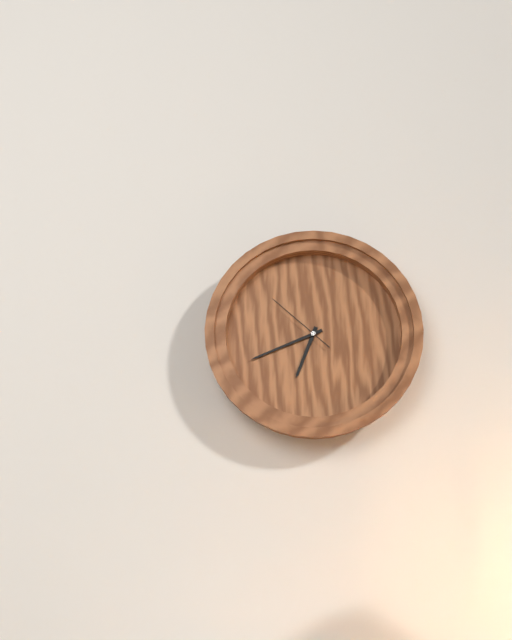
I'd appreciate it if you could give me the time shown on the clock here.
6:41:52
